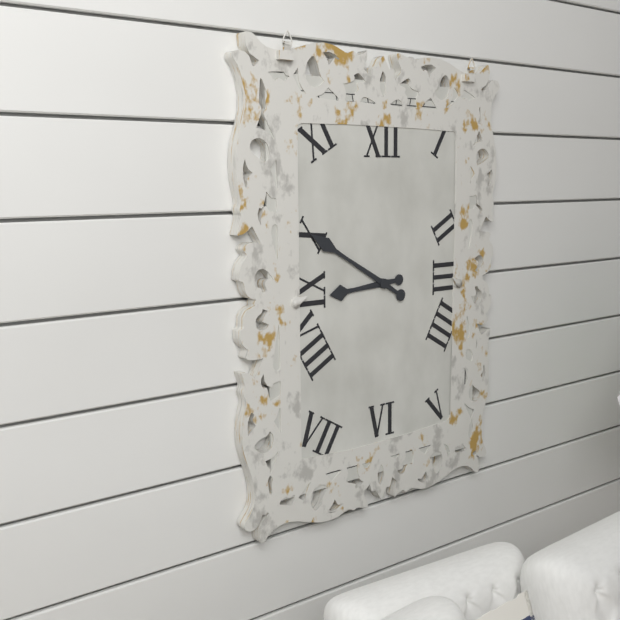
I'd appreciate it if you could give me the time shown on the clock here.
8:50
